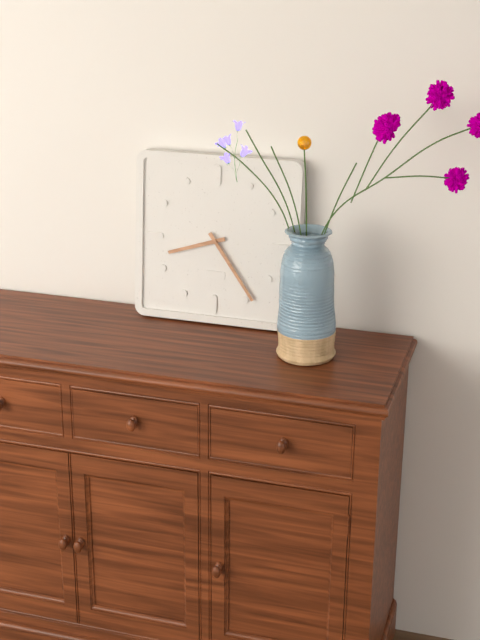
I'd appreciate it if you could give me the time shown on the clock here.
8:24
